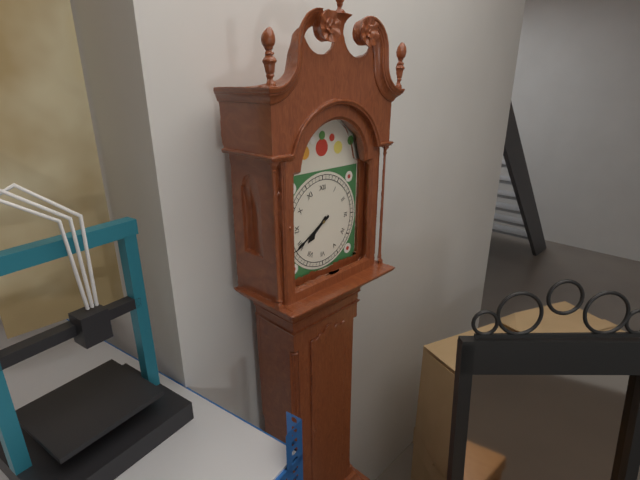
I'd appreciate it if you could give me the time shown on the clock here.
7:40
